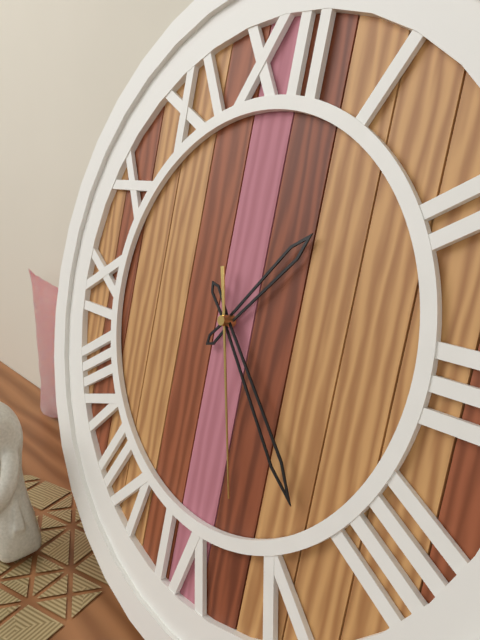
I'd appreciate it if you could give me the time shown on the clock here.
1:23:27
